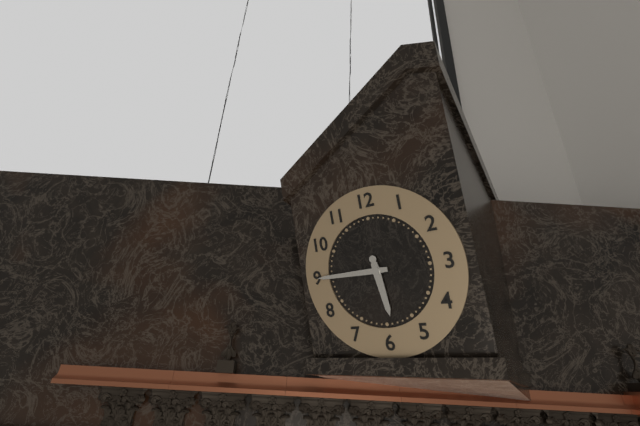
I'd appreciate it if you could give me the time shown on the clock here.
5:45
